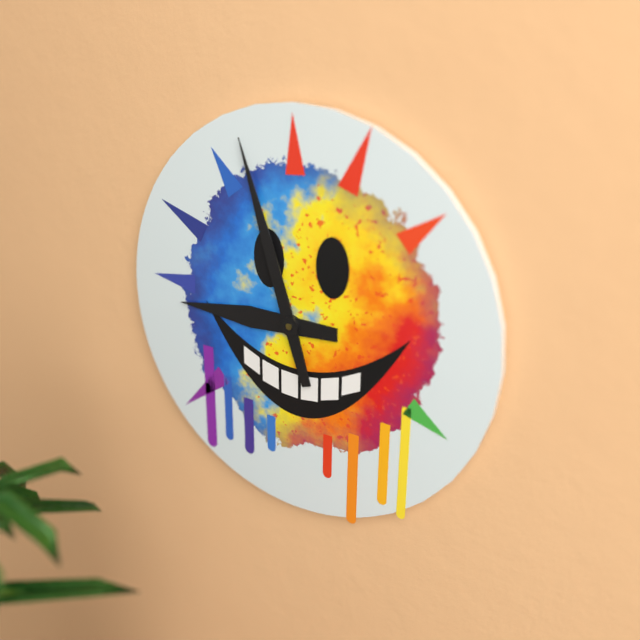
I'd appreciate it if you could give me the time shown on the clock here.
8:57
